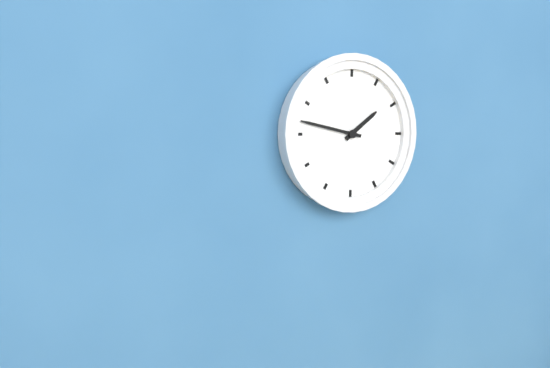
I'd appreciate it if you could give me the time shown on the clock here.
1:47
